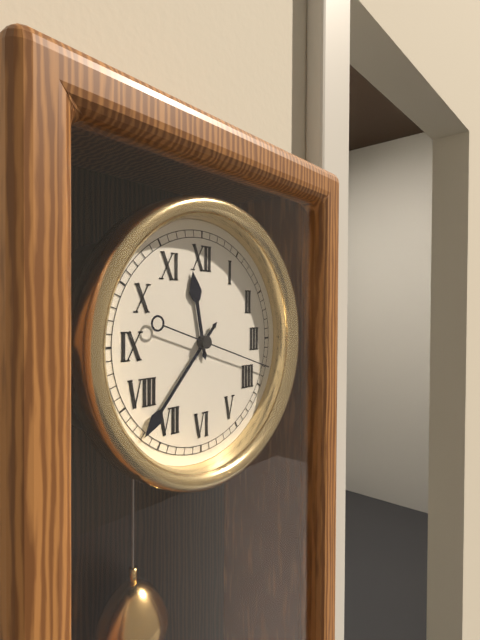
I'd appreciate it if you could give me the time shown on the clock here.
11:37:18
